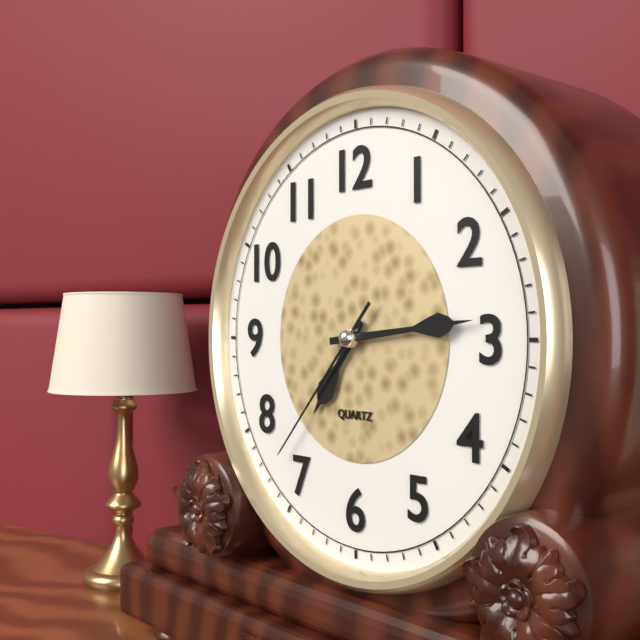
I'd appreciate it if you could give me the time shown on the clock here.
7:14:37
